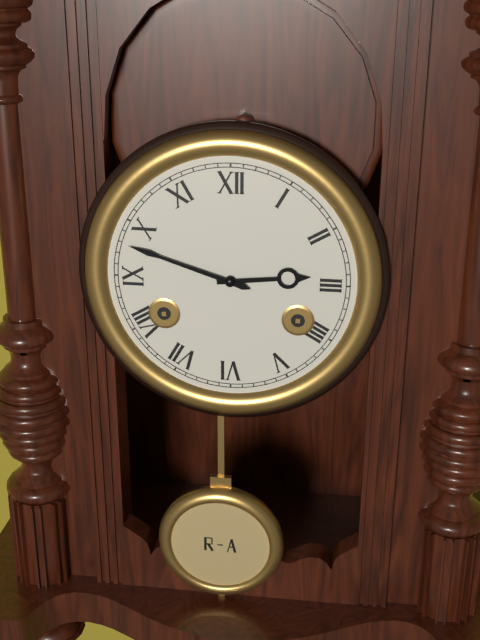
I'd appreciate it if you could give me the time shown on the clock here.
2:48
